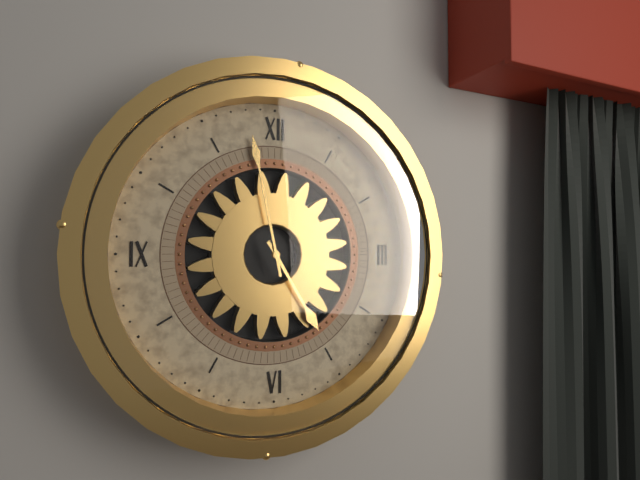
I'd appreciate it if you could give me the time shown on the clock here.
4:58
